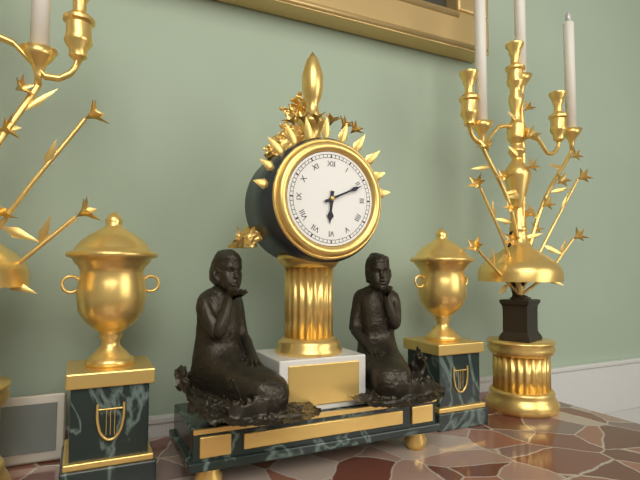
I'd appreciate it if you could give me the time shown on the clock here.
6:11
